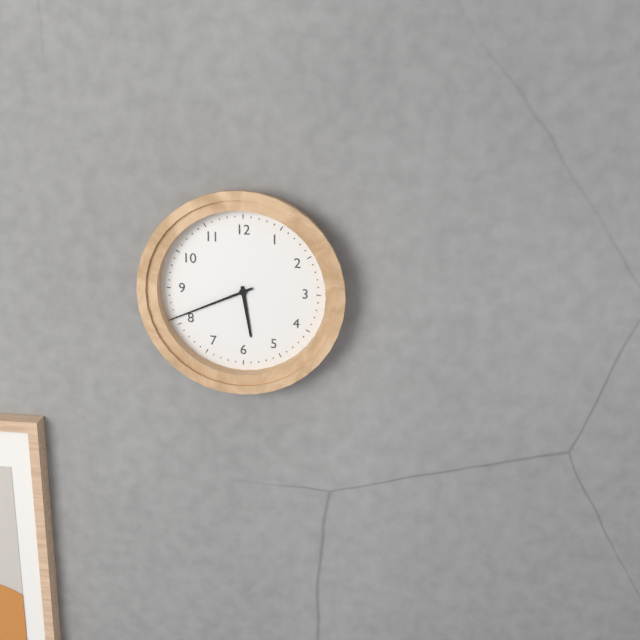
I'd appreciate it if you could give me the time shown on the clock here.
5:41
